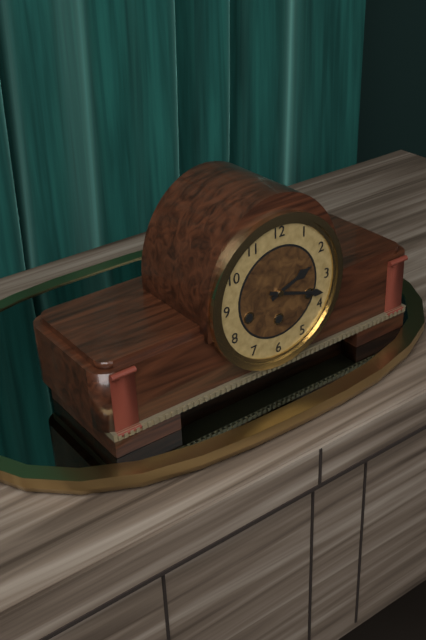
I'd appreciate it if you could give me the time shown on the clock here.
2:18
